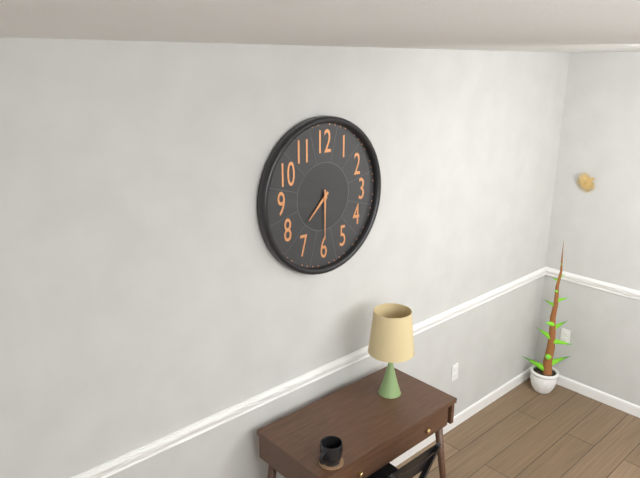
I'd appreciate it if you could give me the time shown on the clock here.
7:30
